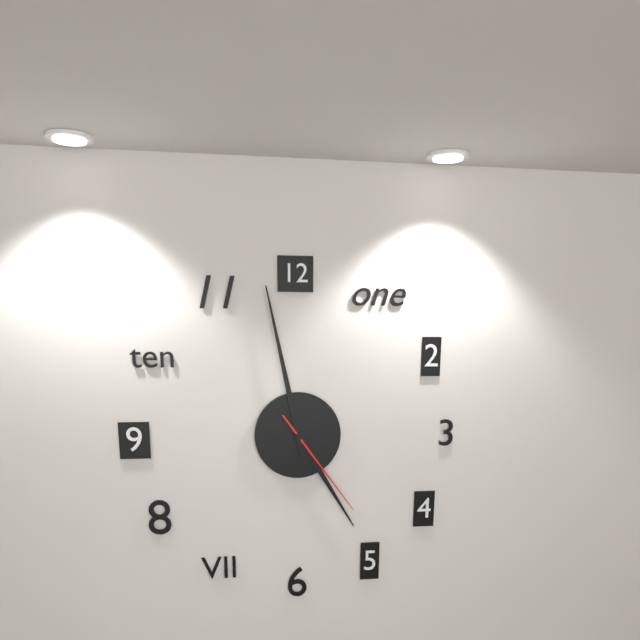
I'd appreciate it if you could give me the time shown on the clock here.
4:58:24
